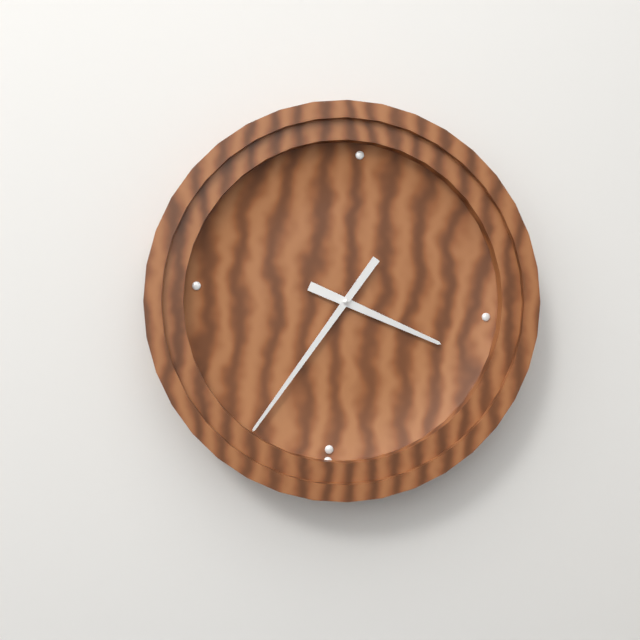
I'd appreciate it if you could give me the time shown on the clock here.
3:35
